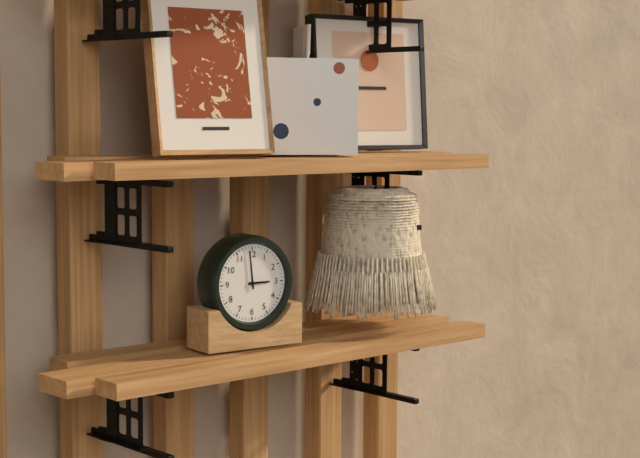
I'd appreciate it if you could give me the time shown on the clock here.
2:59
